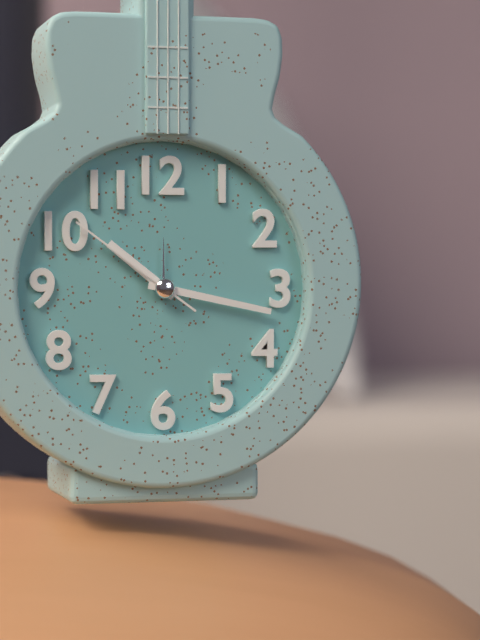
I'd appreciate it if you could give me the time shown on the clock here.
10:17:51
